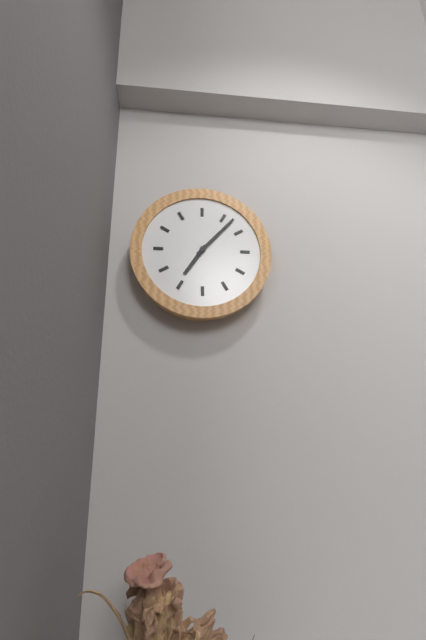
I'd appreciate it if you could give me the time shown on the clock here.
7:07
